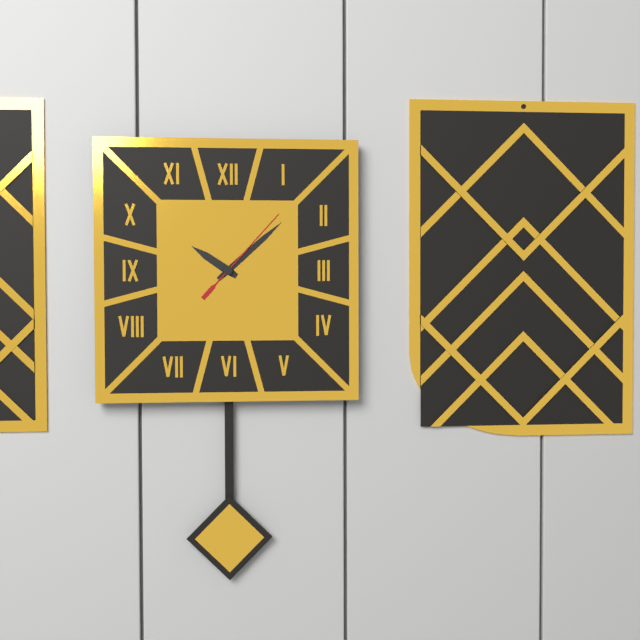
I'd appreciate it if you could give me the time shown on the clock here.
10:08:07
